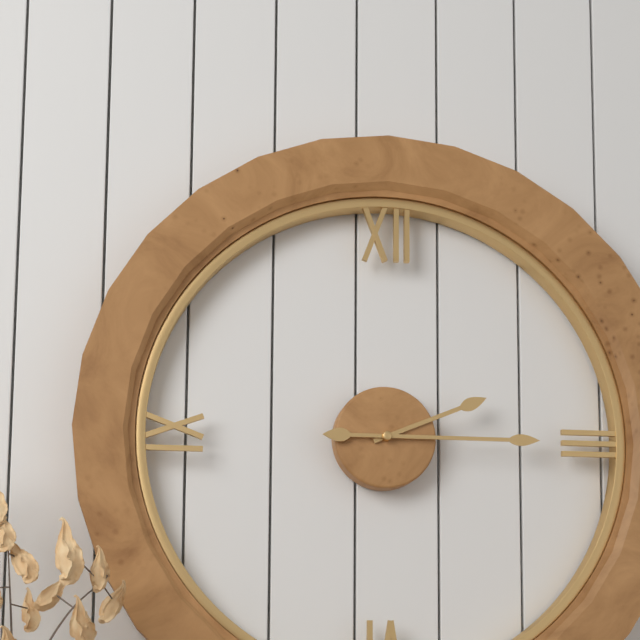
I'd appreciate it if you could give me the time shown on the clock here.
2:15
